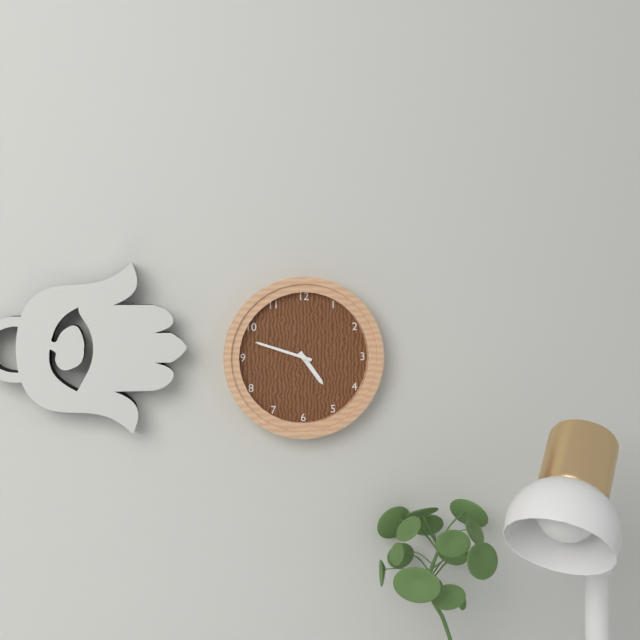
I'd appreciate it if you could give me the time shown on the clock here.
4:48
